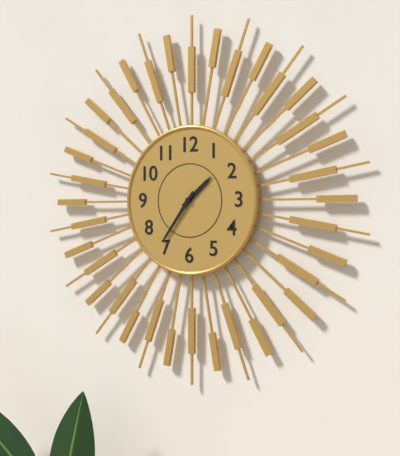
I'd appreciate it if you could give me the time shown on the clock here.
1:36
